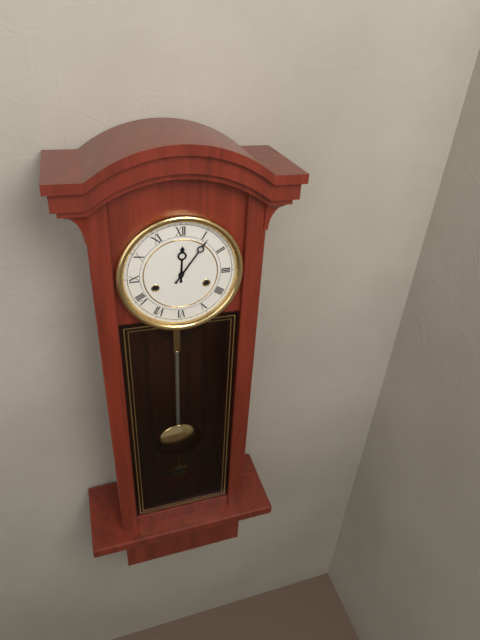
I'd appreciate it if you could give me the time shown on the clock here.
12:06
